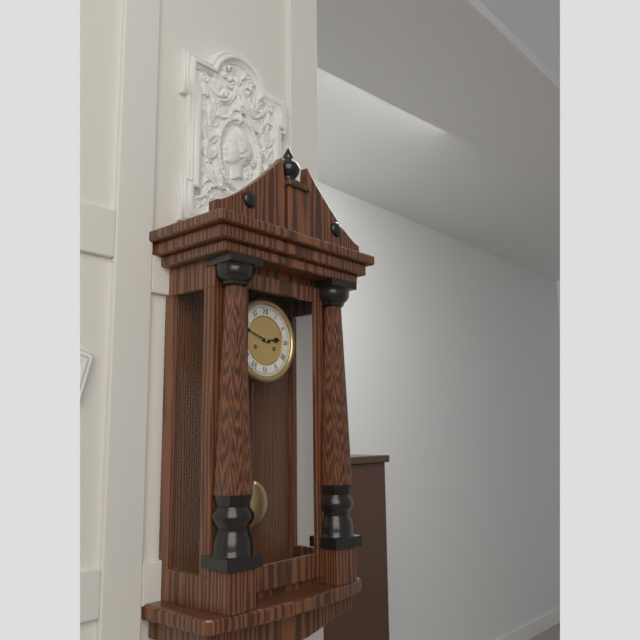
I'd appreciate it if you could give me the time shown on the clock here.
2:48
